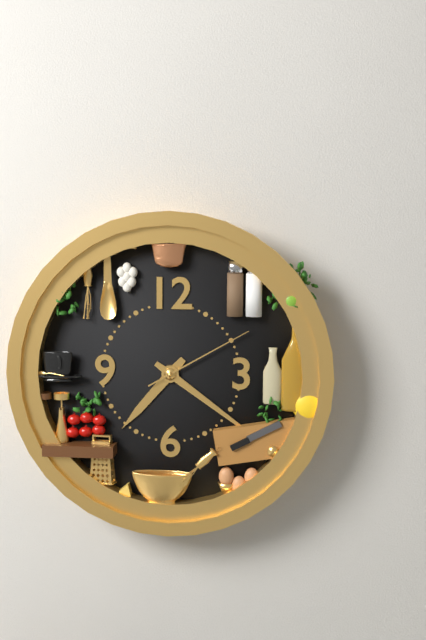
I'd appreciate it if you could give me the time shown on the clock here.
7:21:10
